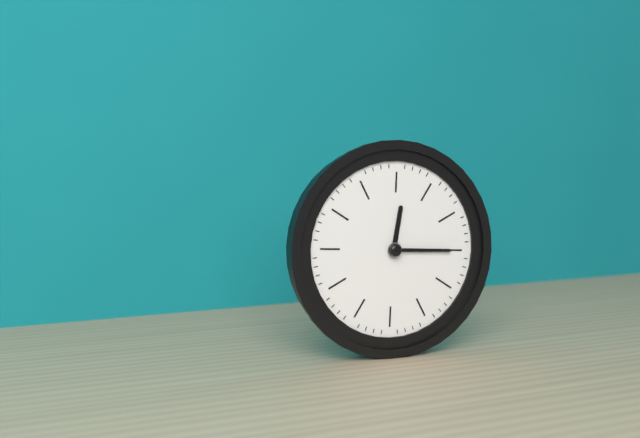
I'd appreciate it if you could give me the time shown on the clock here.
12:15
